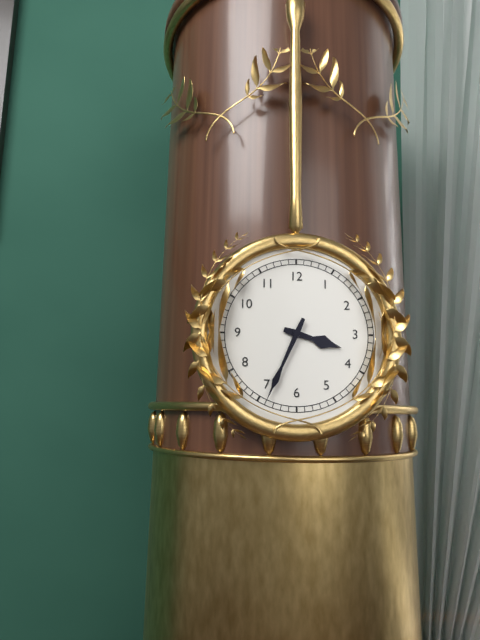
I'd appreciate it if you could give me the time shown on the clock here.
3:34
